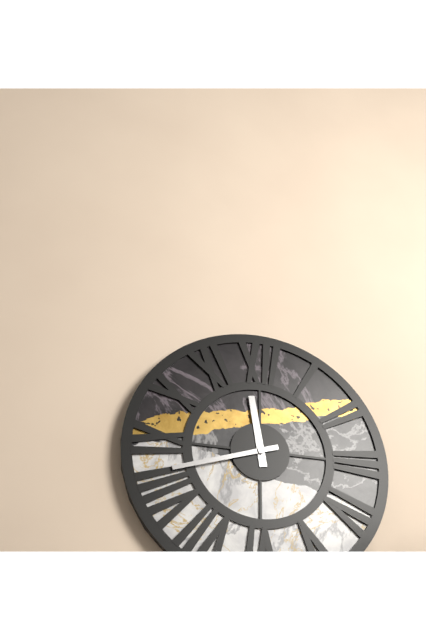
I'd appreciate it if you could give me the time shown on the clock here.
11:42
